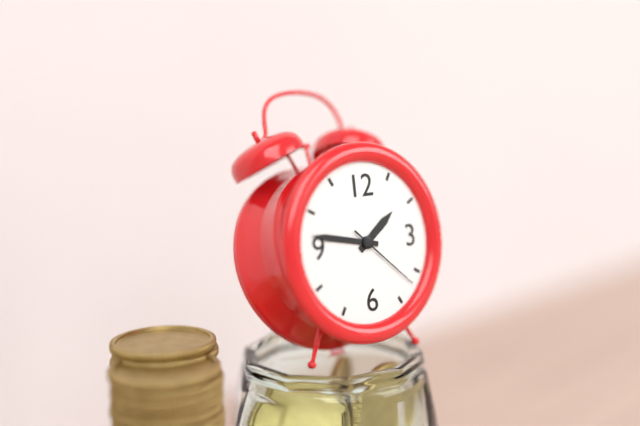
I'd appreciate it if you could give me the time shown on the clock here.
1:47:22
